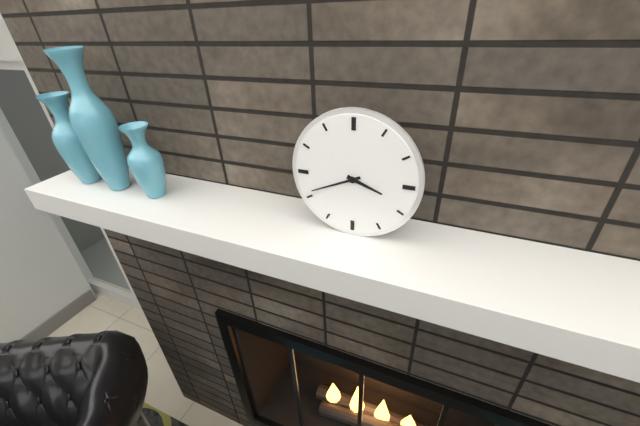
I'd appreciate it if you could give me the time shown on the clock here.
3:41
